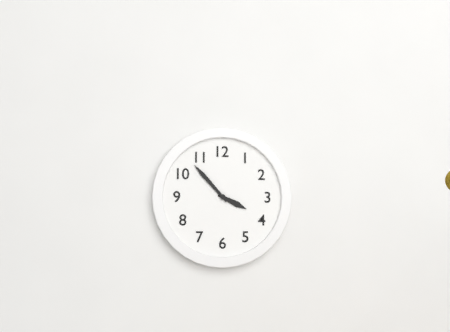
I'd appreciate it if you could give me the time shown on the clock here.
3:53
